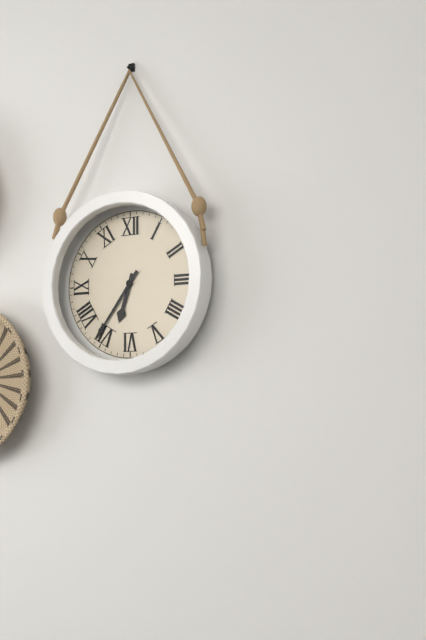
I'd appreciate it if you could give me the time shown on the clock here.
6:36
